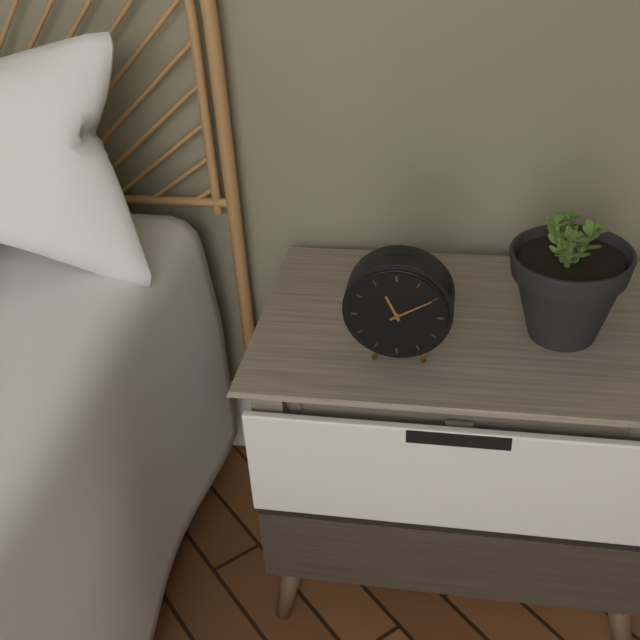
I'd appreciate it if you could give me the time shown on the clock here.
11:10
